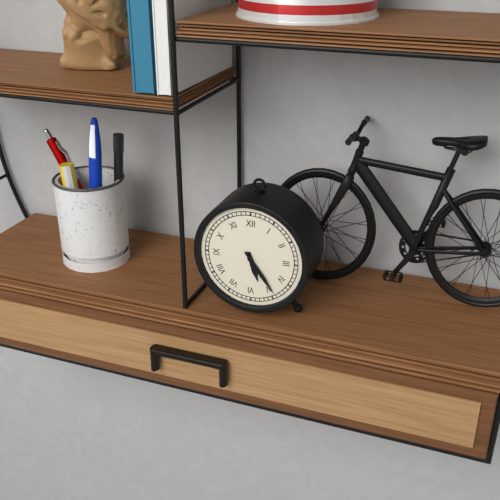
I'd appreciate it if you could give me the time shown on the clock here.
5:24
